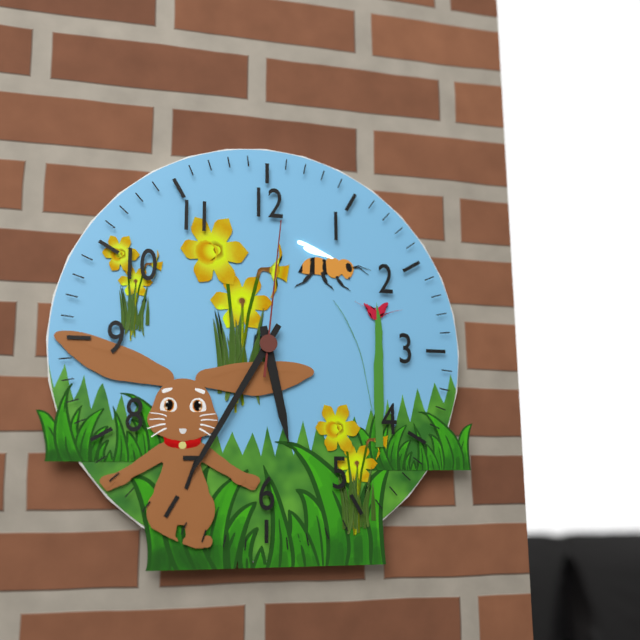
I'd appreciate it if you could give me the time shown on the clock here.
5:35:01
